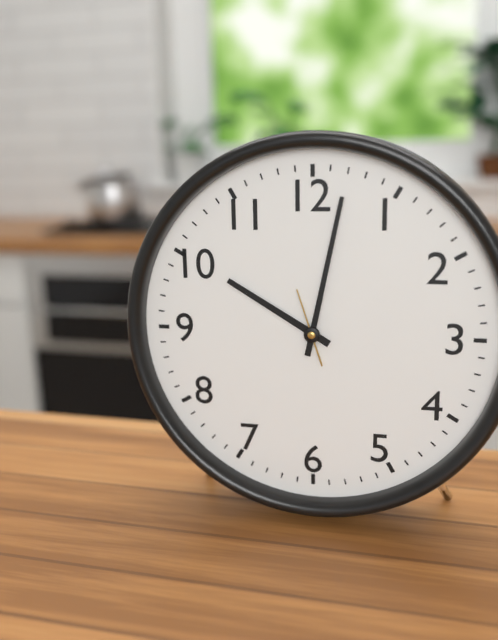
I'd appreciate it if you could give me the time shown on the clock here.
10:02:57
